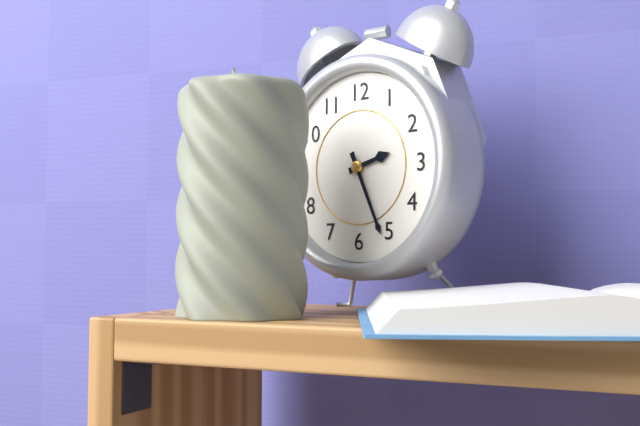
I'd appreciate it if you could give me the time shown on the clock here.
2:26
